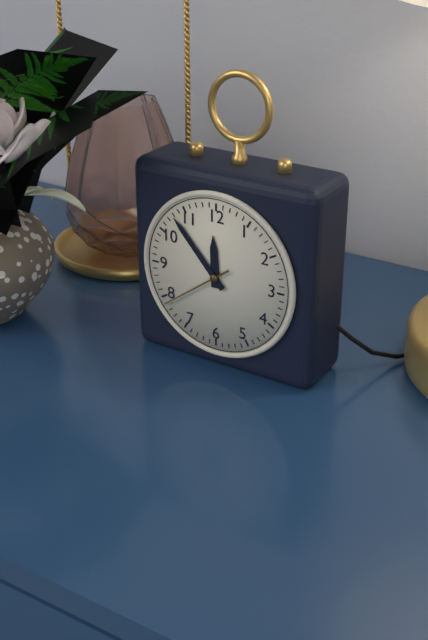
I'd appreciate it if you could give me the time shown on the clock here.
11:53:39
